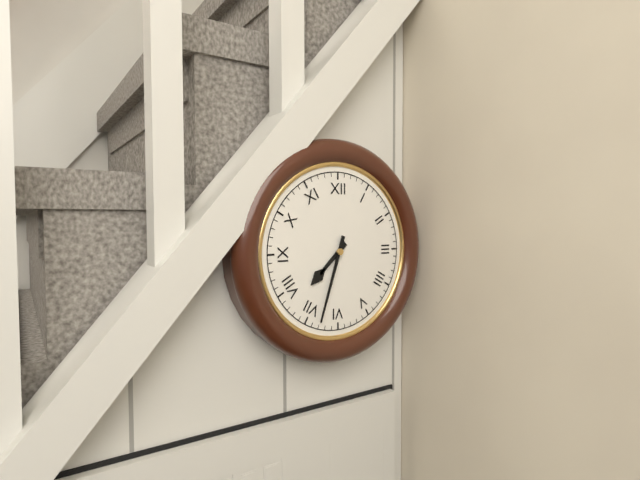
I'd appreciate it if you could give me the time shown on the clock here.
7:33
